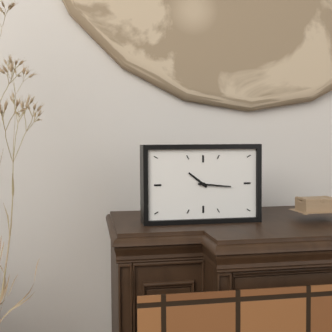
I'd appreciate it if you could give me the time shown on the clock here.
10:16
